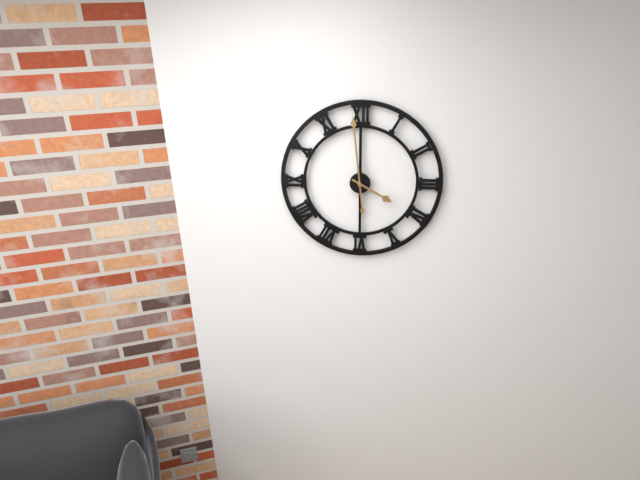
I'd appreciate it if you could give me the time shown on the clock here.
3:59
